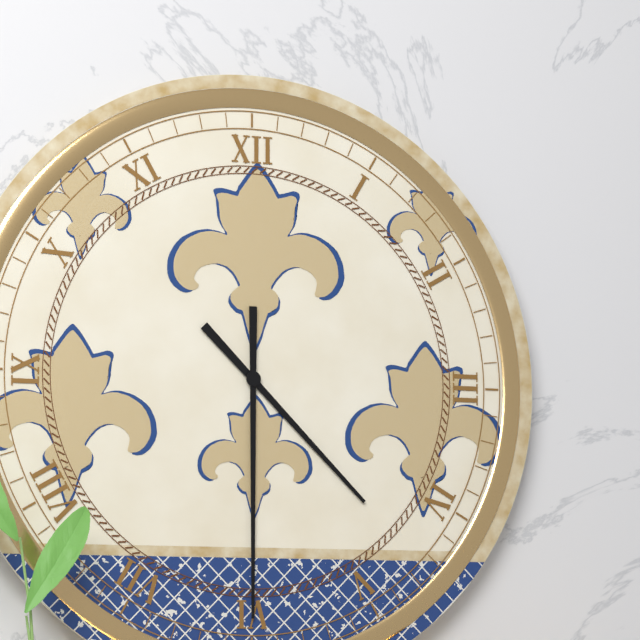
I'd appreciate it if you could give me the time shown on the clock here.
4:30
